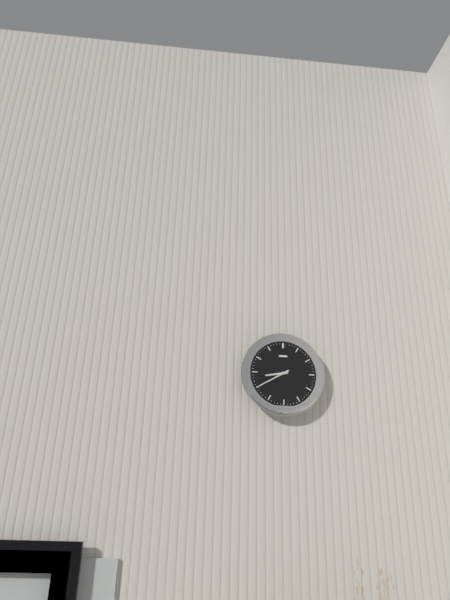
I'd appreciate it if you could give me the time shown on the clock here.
8:40
